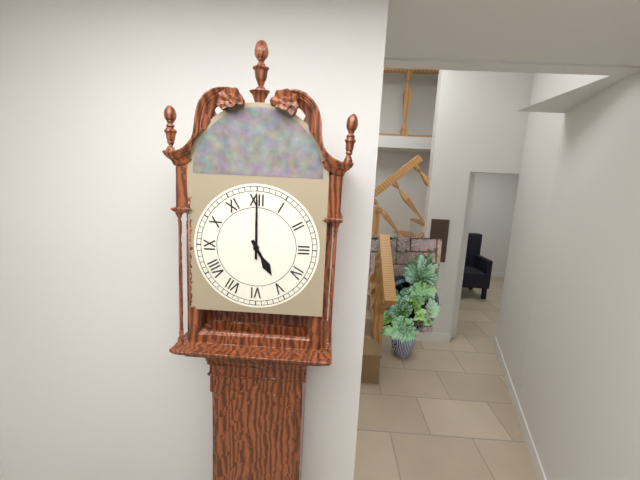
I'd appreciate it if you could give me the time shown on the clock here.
5:00
